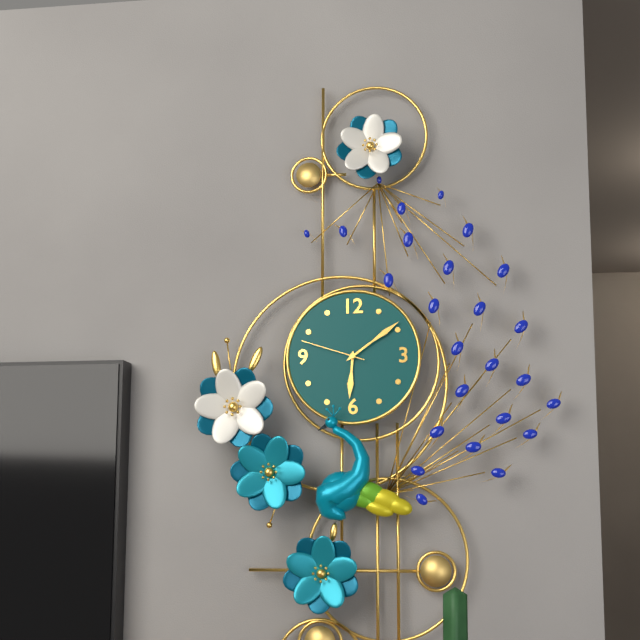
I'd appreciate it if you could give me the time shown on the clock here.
6:09:48
